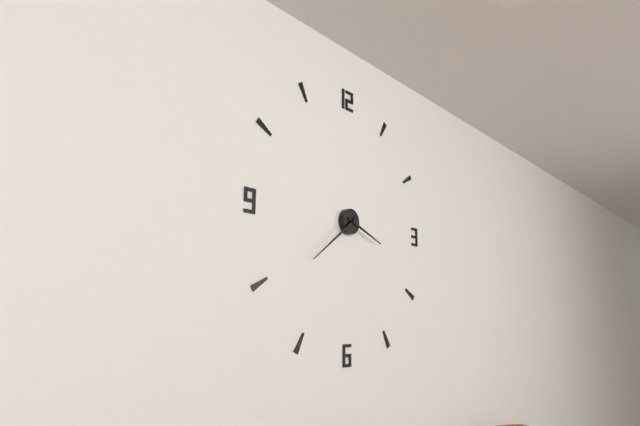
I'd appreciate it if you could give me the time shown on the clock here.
3:39
